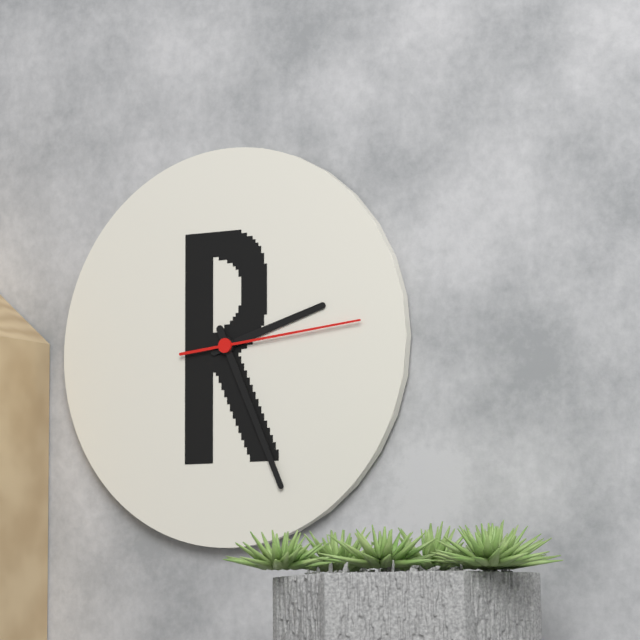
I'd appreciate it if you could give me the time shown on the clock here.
2:26:14
